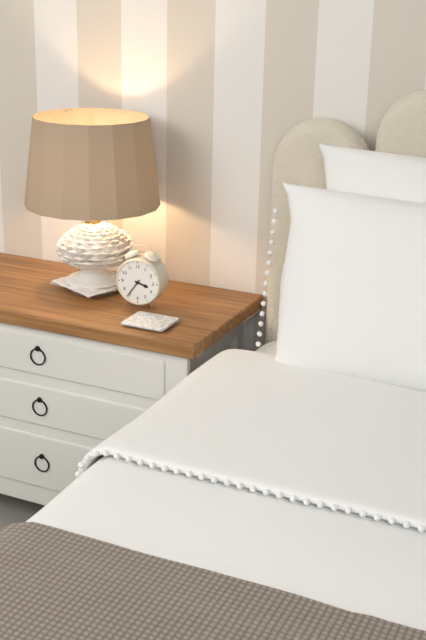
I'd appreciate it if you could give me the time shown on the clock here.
3:36
